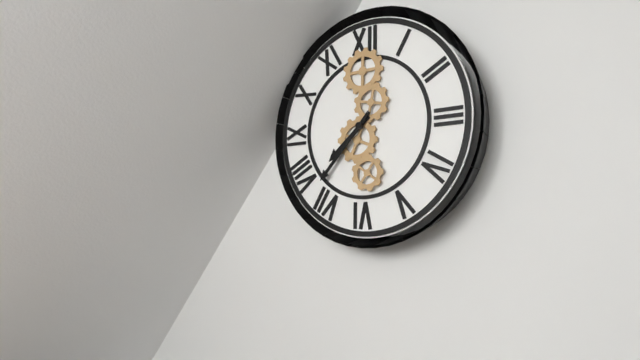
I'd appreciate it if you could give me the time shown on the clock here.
7:37
